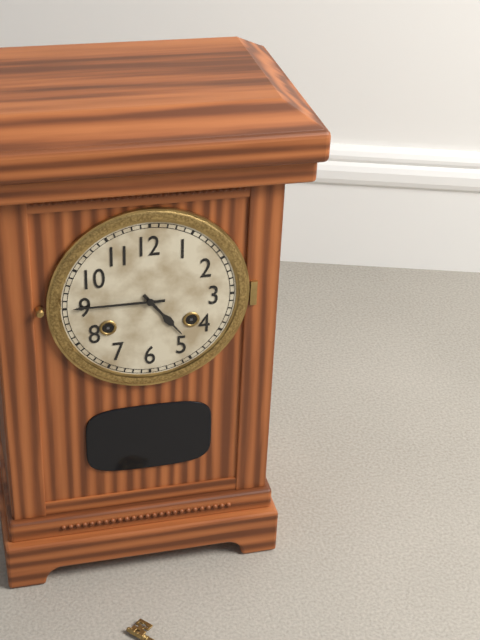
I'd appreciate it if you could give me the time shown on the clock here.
4:45
